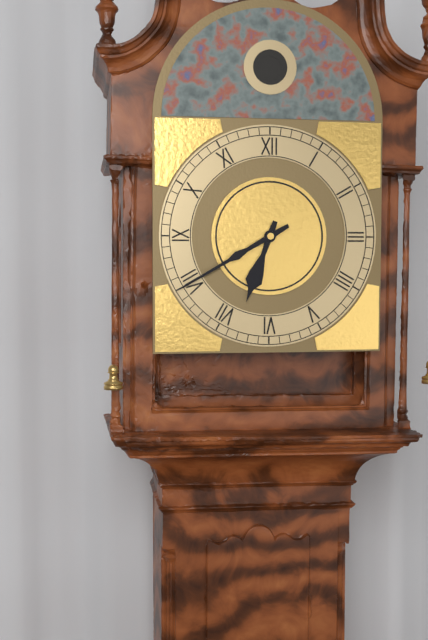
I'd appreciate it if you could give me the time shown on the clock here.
6:40
